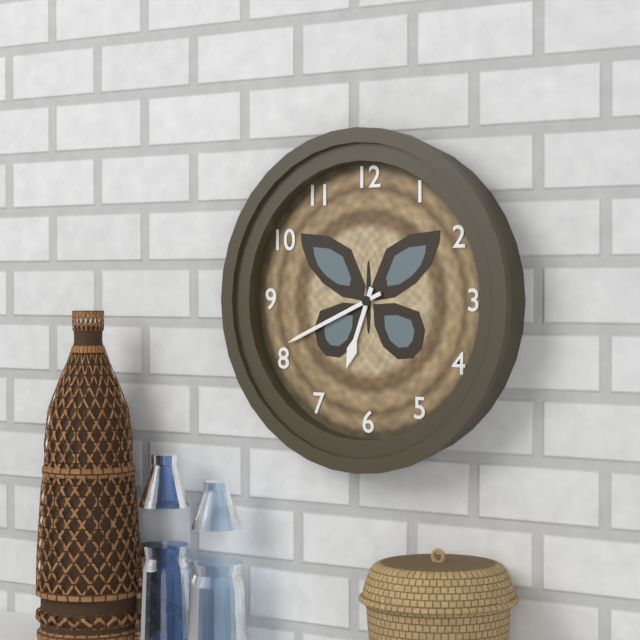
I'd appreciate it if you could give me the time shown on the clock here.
6:41
